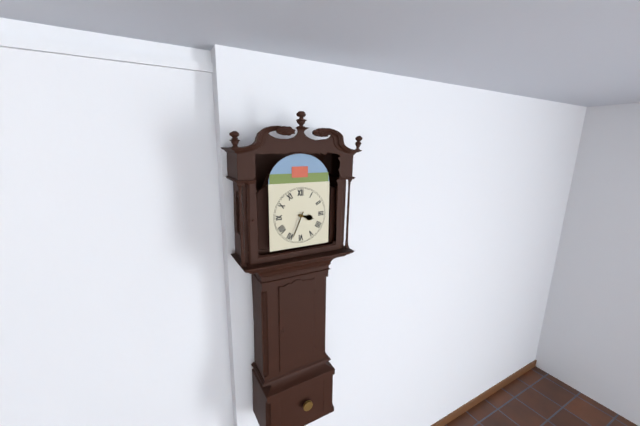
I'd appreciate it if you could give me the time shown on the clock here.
3:34
